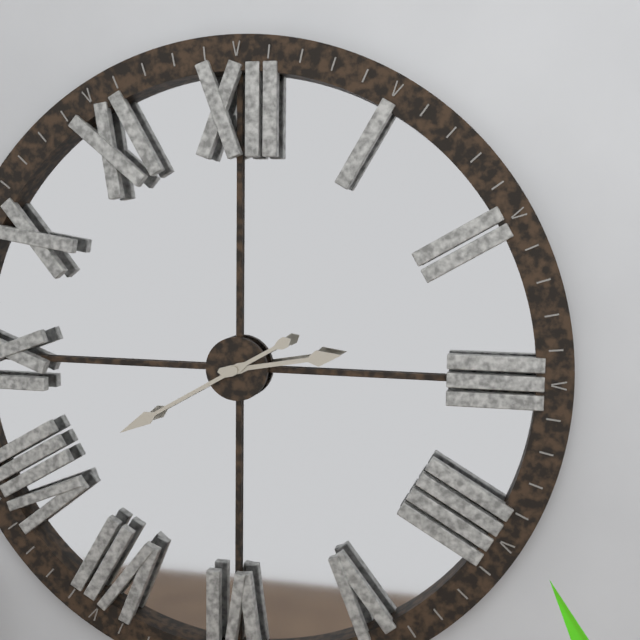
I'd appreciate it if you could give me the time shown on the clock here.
2:40
